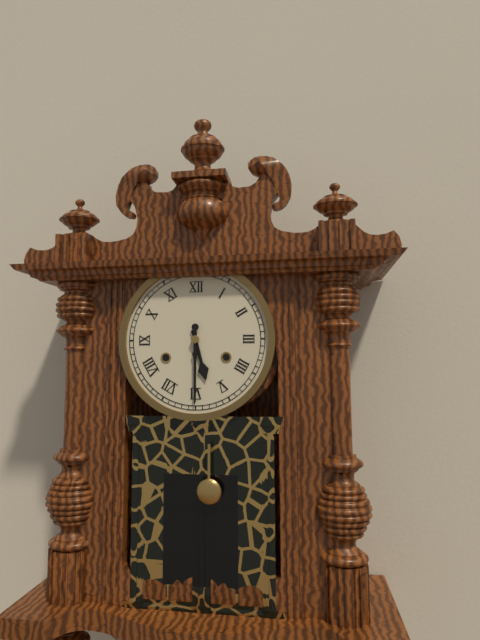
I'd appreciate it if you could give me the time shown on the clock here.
5:30
